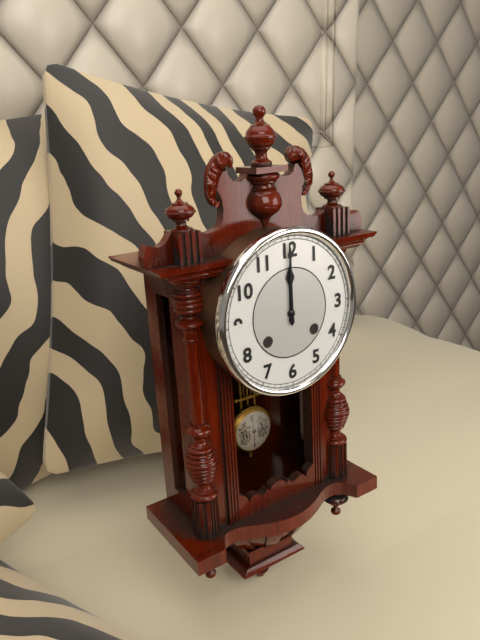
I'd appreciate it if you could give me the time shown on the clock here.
12:00
